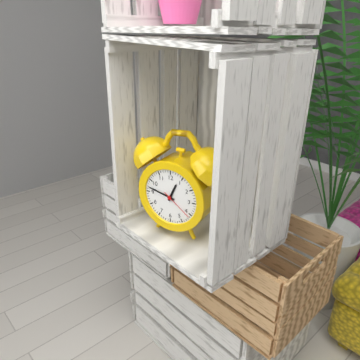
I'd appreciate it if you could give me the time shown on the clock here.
12:47
